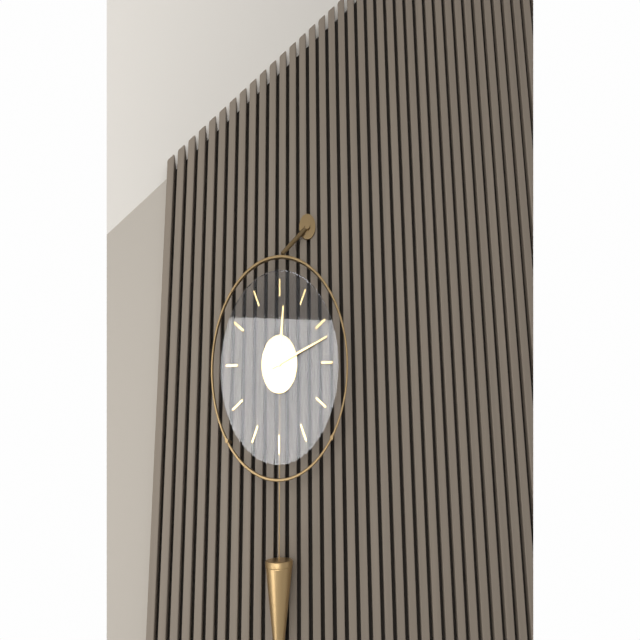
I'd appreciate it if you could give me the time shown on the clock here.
12:12
